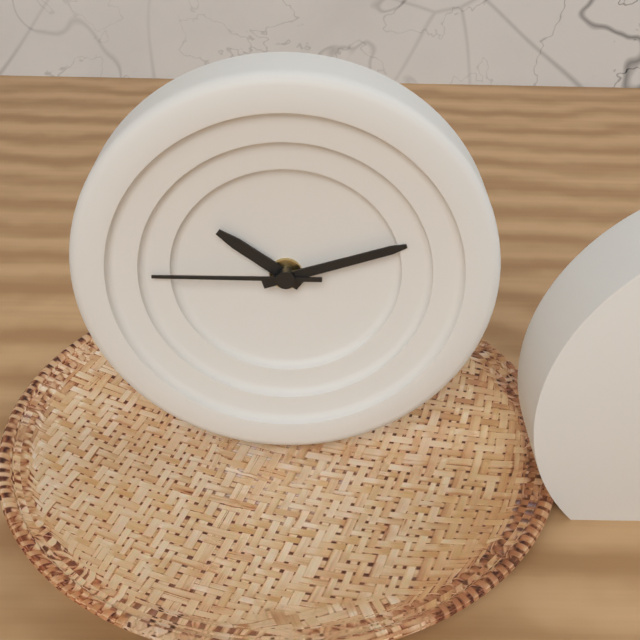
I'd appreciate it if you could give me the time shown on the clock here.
10:12:45
